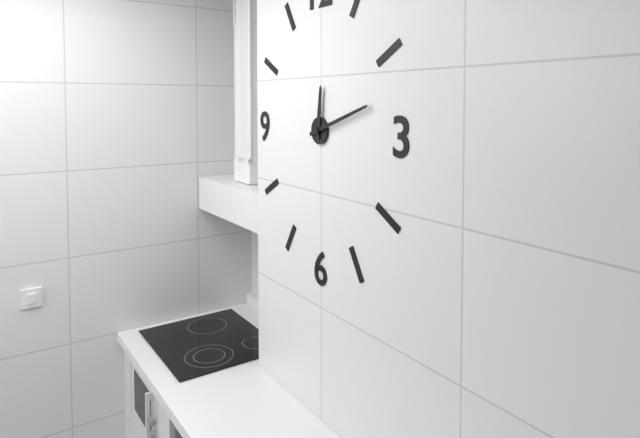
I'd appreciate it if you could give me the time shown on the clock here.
12:12
